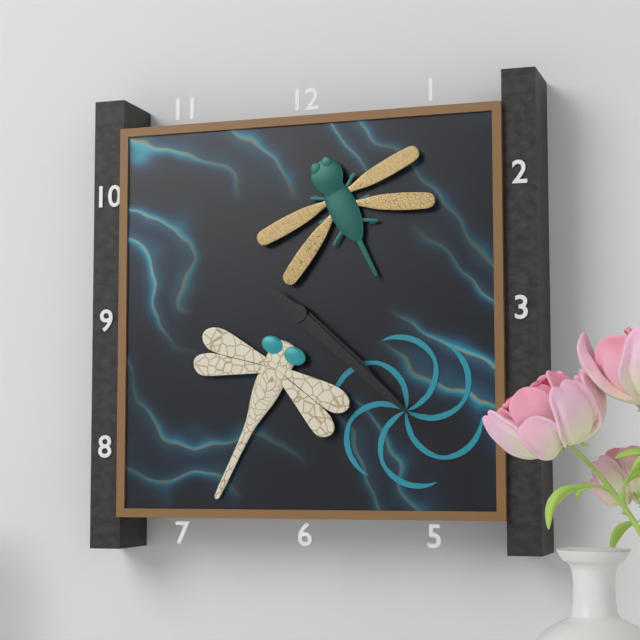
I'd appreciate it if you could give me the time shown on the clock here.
4:22
